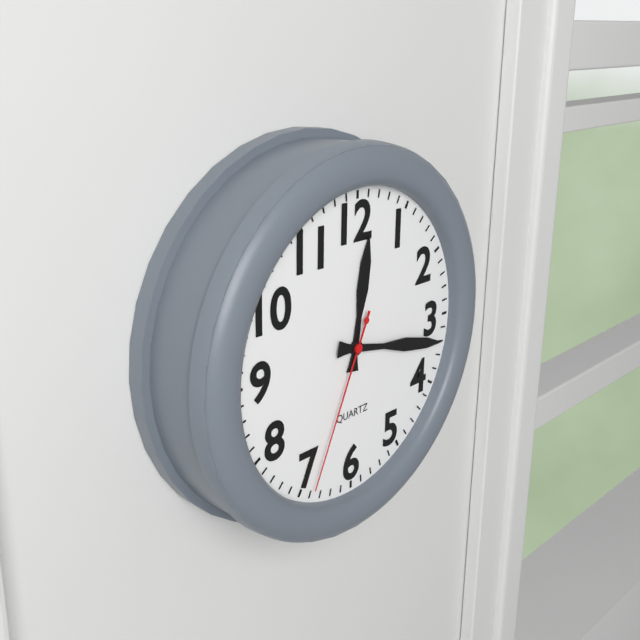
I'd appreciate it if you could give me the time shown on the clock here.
12:17:34
